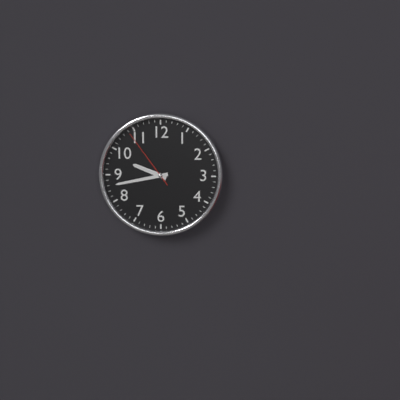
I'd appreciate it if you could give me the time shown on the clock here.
9:43:54
